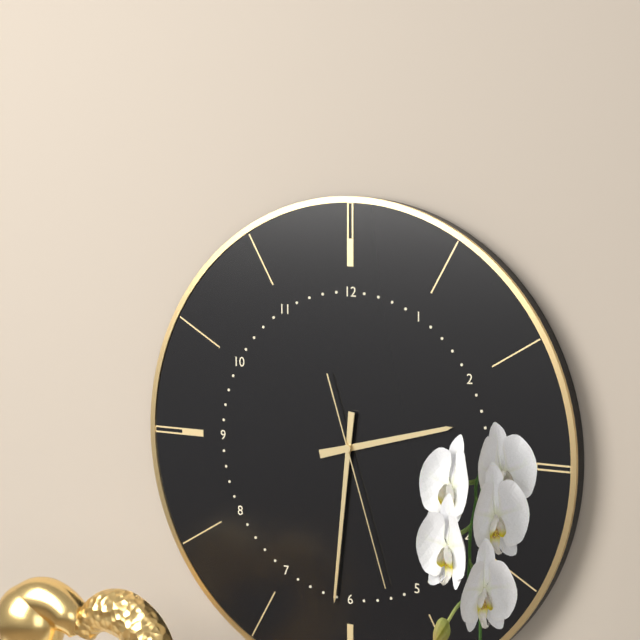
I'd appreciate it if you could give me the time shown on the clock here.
2:31:27
